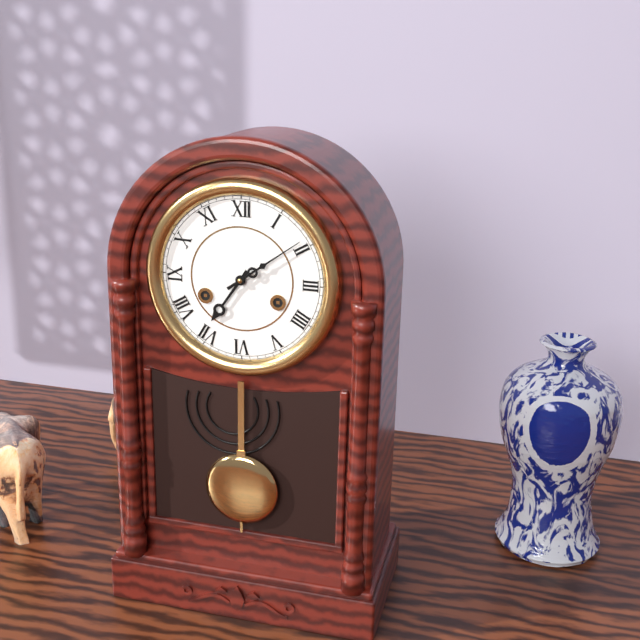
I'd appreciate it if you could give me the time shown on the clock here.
7:09
